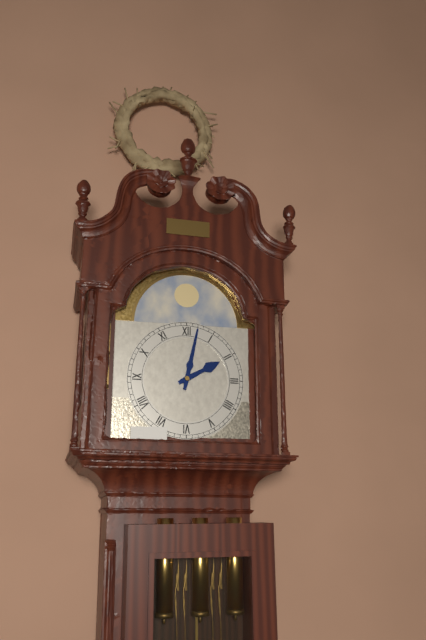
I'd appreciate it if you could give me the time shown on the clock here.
2:02
